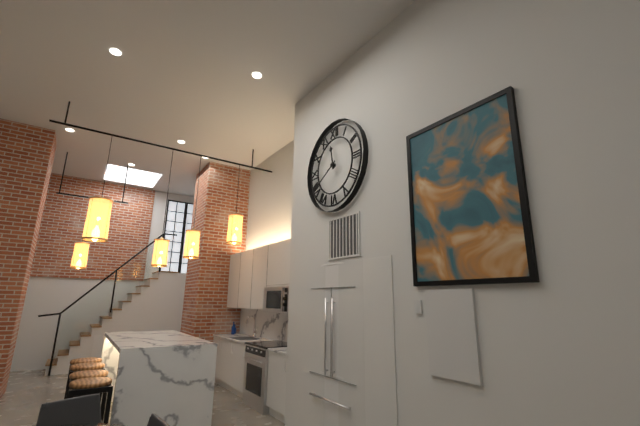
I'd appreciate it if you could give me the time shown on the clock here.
11:40
